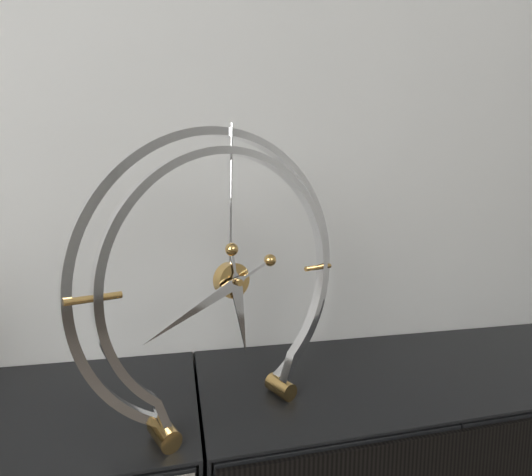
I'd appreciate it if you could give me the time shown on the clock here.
5:41
